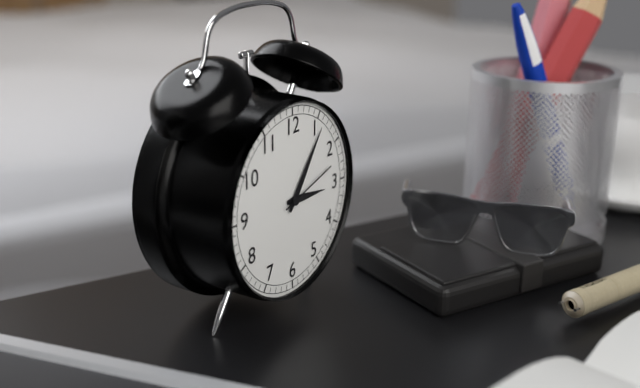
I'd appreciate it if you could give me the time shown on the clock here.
3:06:12
